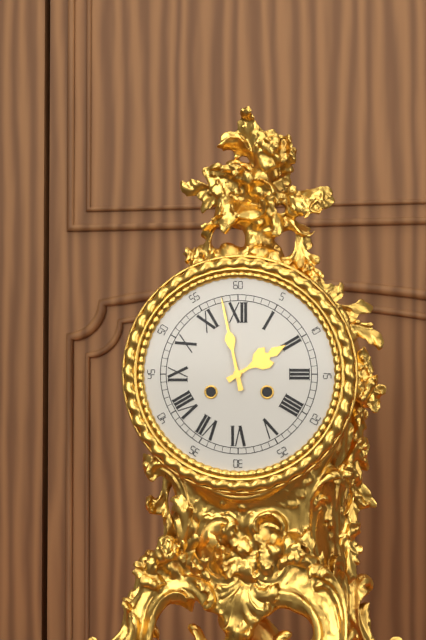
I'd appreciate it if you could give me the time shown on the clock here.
1:58
